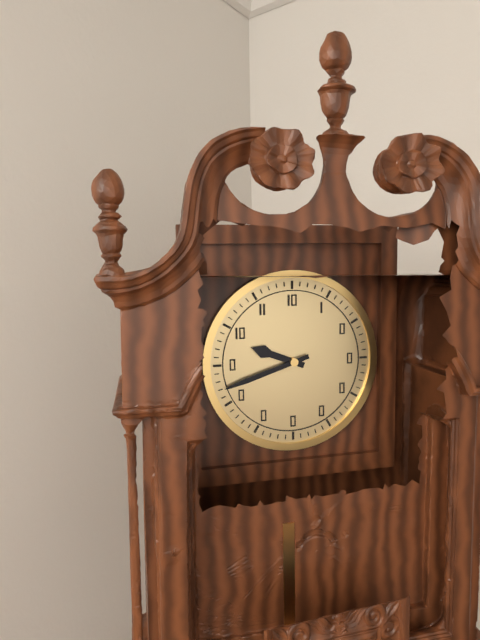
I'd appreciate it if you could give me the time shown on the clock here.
9:42
